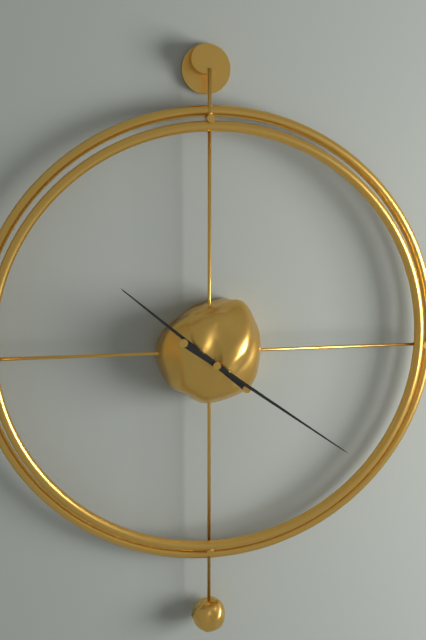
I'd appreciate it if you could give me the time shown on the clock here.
10:21
